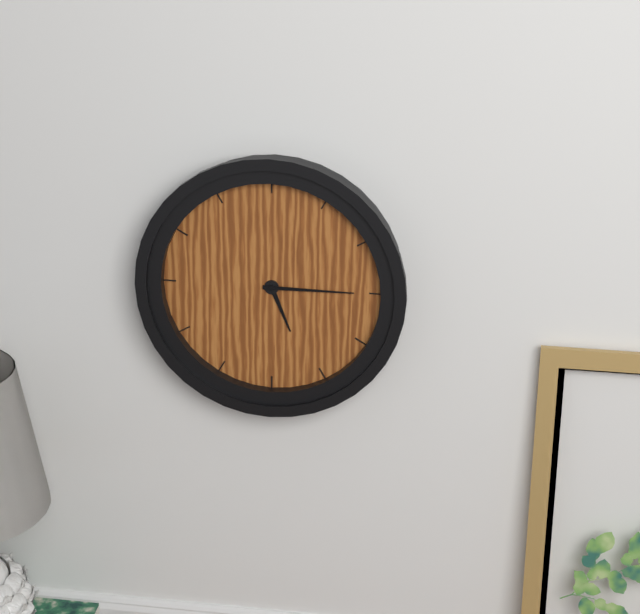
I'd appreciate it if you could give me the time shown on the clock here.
5:15
